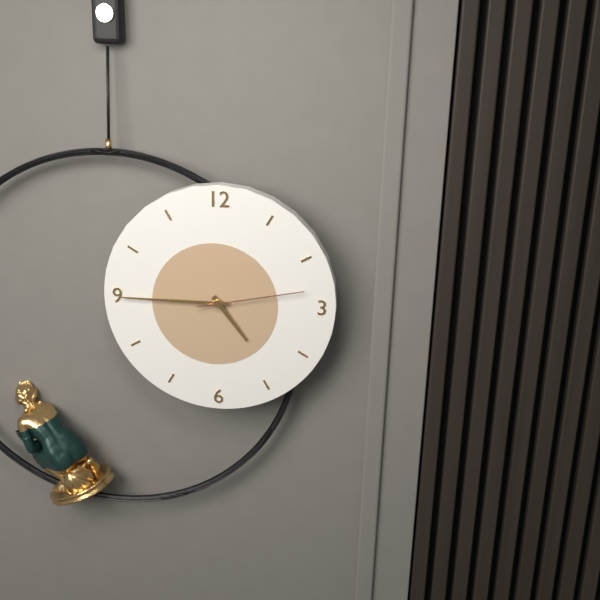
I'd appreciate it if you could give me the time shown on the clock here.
4:45:13
